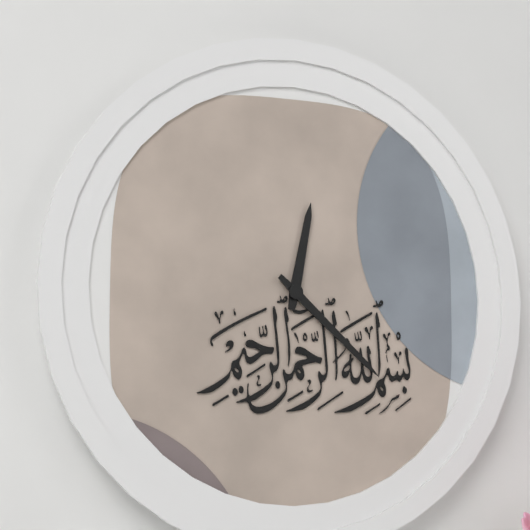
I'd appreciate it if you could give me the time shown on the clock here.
12:22
